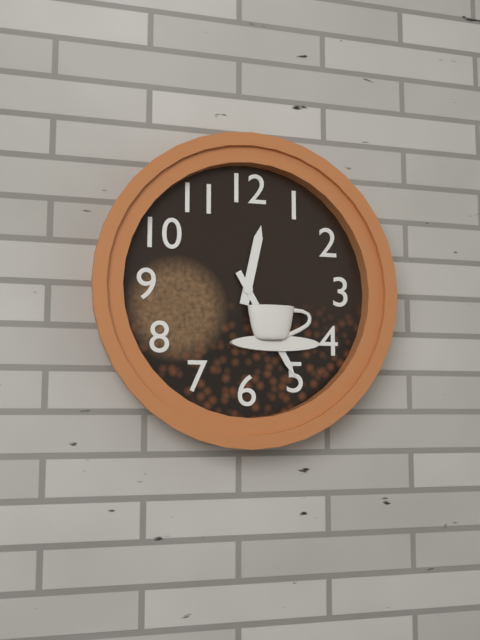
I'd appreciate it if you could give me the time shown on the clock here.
12:25
